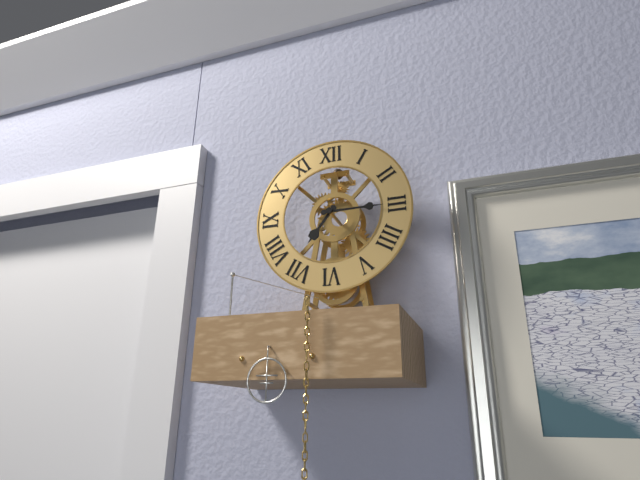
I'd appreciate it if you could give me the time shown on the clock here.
7:15
